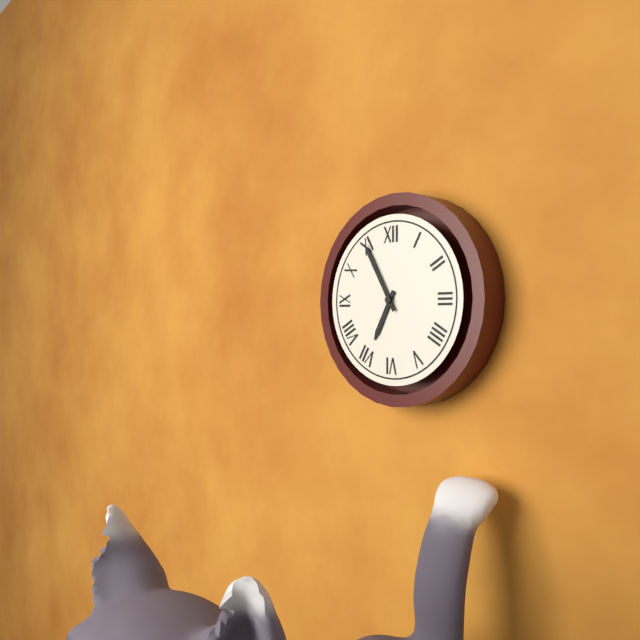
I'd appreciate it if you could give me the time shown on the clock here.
6:55
